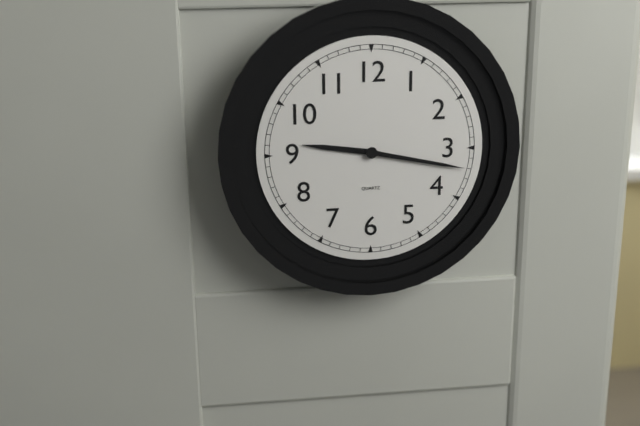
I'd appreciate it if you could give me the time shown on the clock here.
9:17
